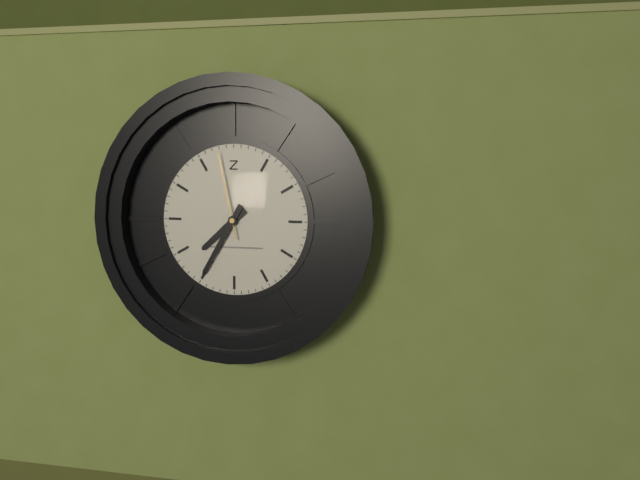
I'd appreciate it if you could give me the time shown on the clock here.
7:35:58
